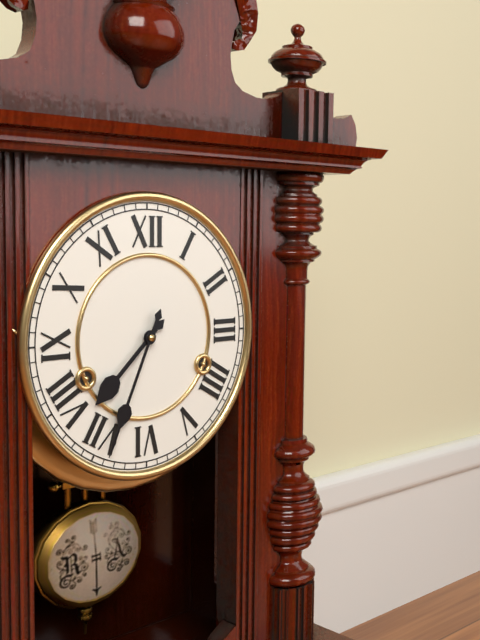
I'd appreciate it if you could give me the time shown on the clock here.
7:34
